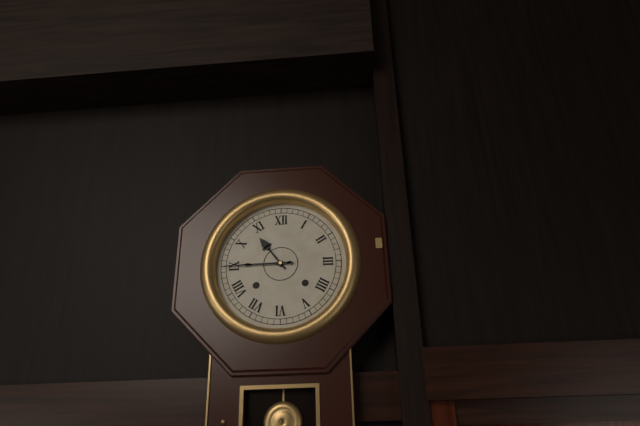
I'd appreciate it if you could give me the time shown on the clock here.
10:45
